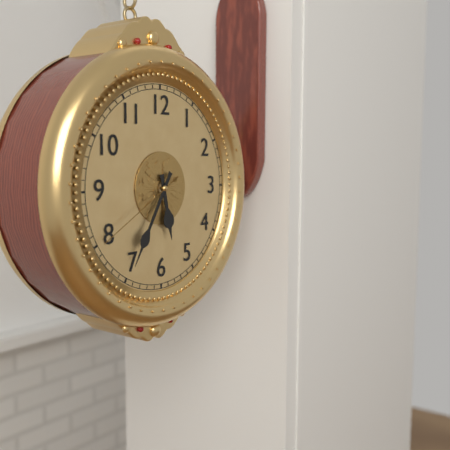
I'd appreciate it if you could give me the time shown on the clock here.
5:35:40
